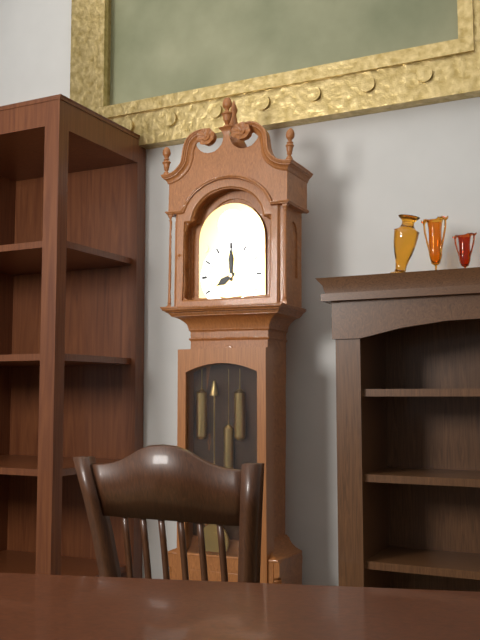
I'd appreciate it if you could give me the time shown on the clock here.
8:00
